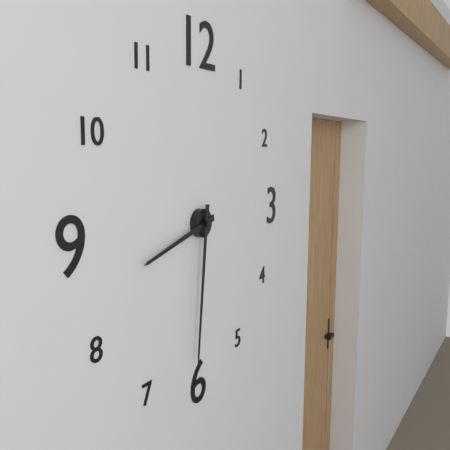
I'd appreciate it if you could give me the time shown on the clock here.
8:31
